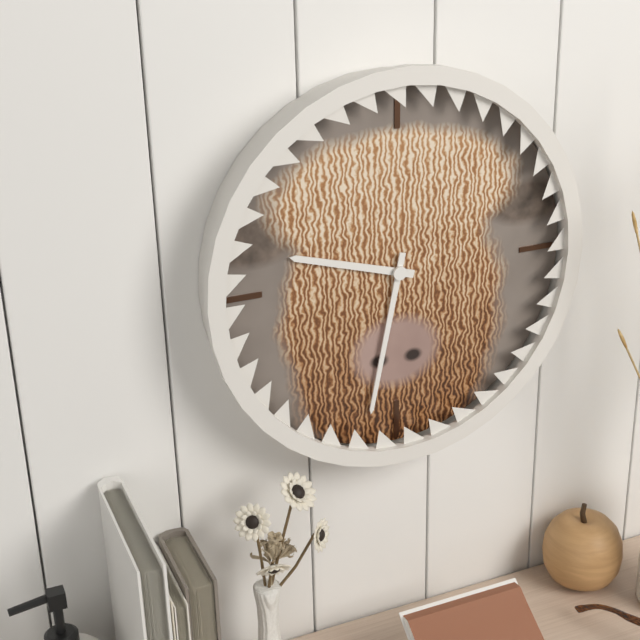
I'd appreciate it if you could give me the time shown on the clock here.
9:32
